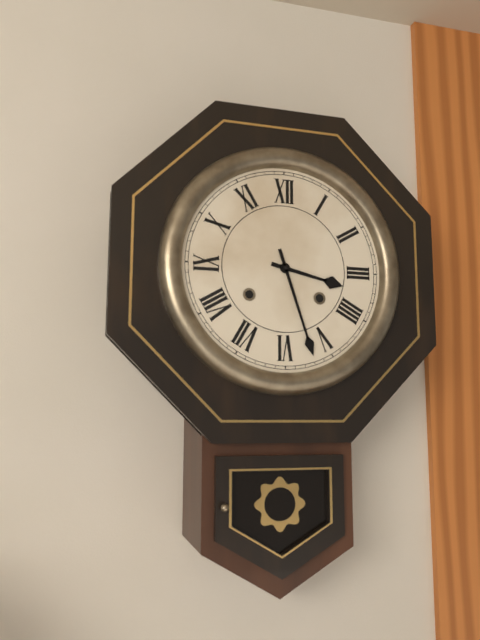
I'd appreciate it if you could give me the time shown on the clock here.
3:27
